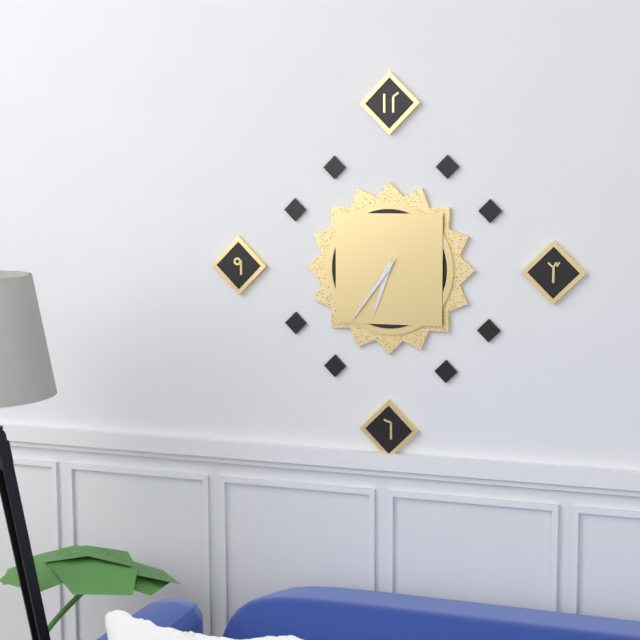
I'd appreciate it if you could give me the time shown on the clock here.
6:36
